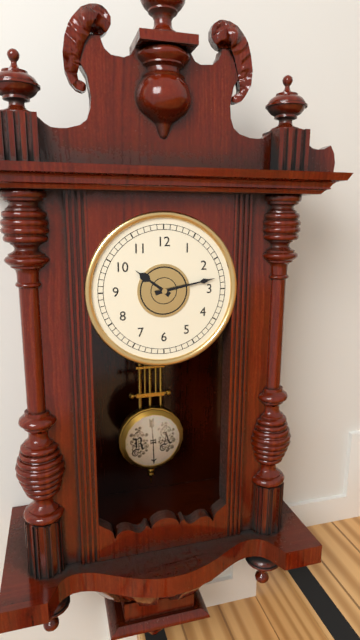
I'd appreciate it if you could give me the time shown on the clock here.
10:13
